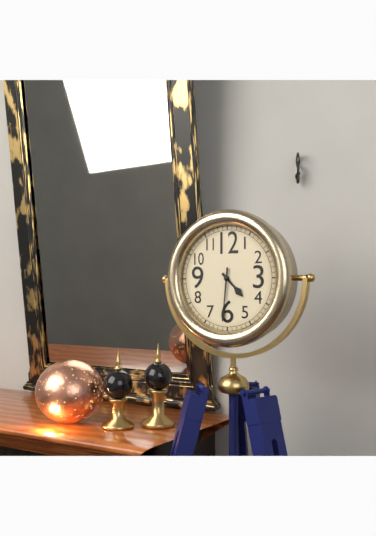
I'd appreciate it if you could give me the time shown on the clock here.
4:31
